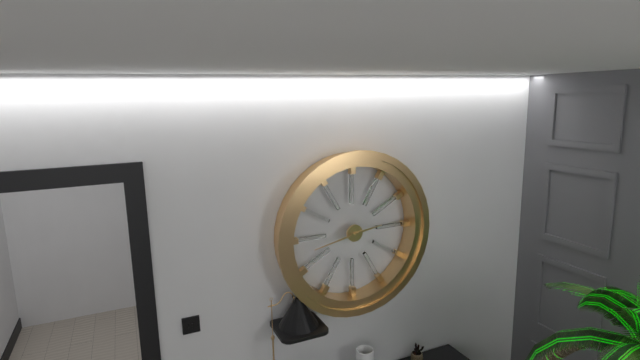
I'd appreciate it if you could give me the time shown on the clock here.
2:43
